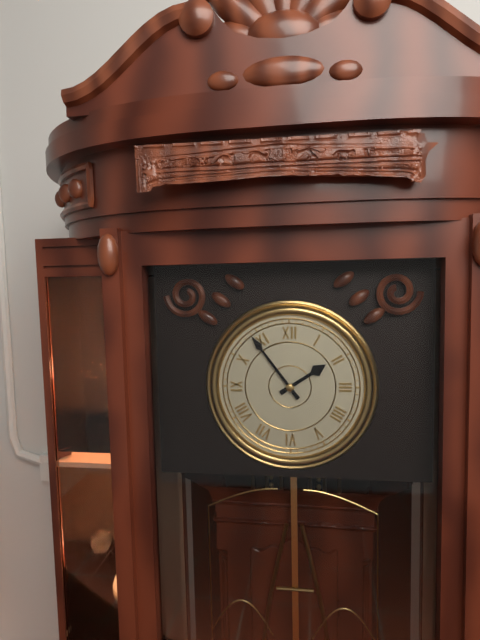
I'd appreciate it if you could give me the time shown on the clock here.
1:54
